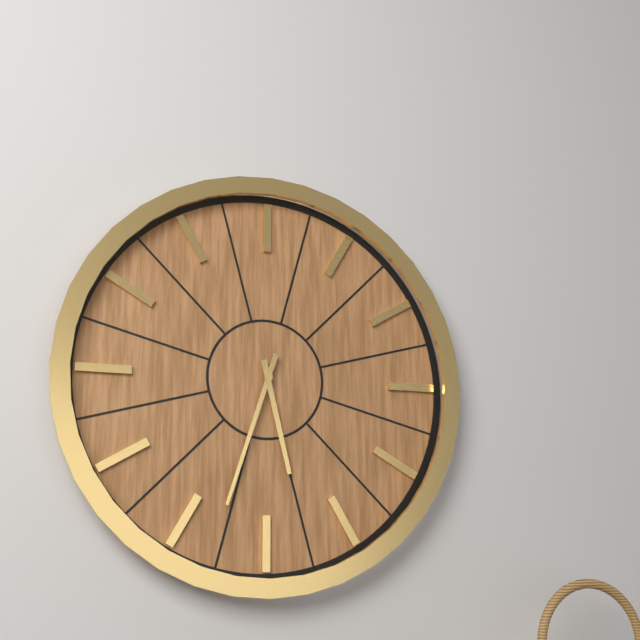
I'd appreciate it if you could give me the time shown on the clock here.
5:33
